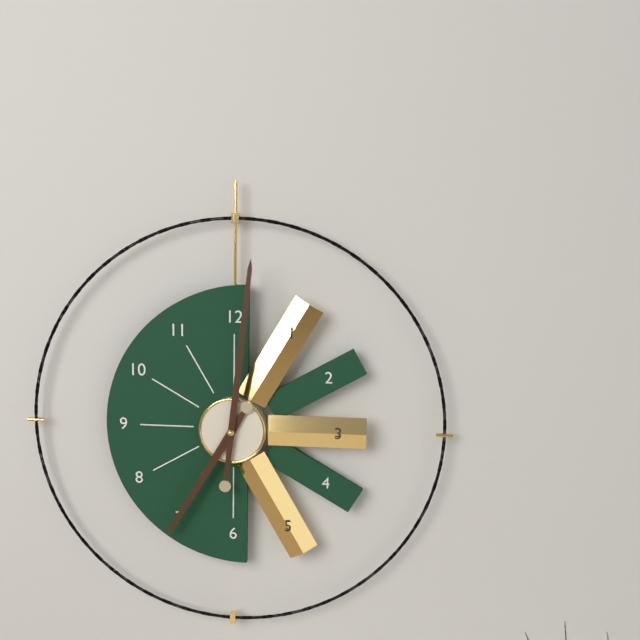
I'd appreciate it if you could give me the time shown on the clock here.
7:01
